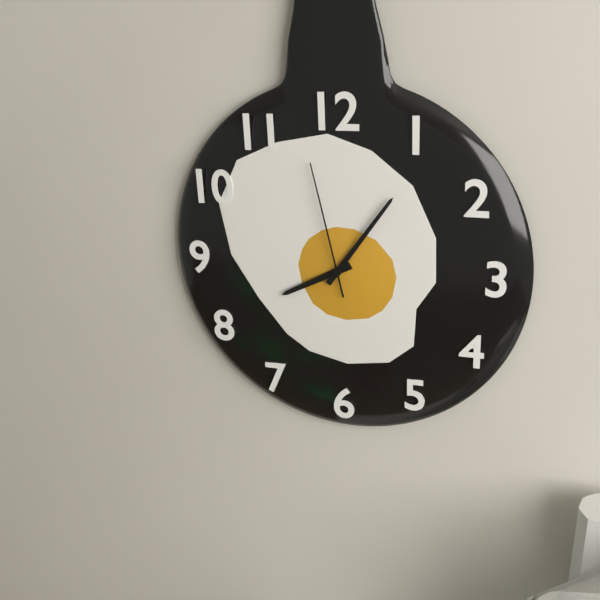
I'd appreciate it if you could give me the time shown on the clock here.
8:06:58
